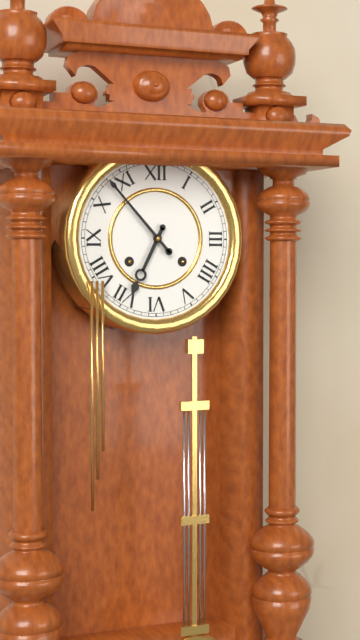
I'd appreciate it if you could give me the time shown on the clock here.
6:53
